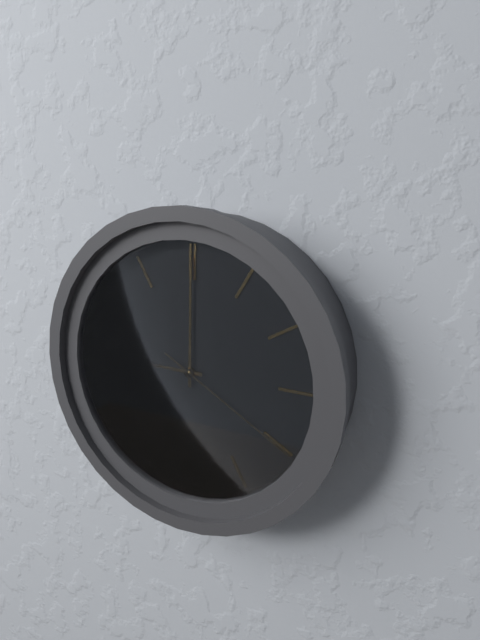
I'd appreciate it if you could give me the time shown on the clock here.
9:00:20
